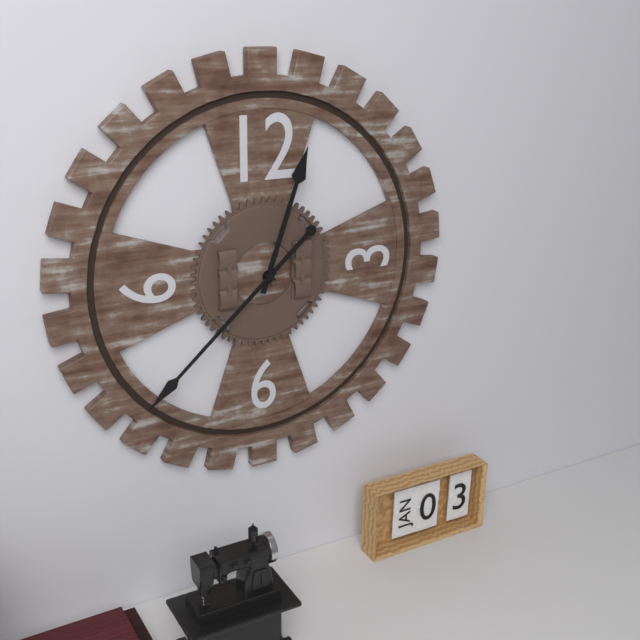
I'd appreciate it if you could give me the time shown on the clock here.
12:38
